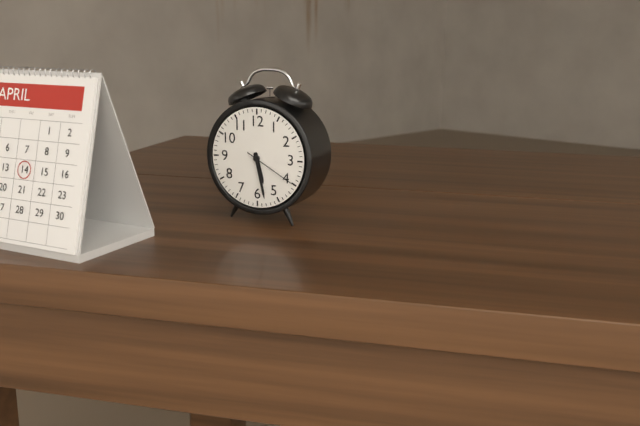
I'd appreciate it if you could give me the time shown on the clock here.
5:28:20
